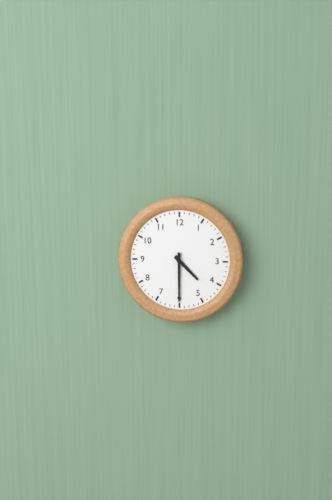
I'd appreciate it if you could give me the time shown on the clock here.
4:30
